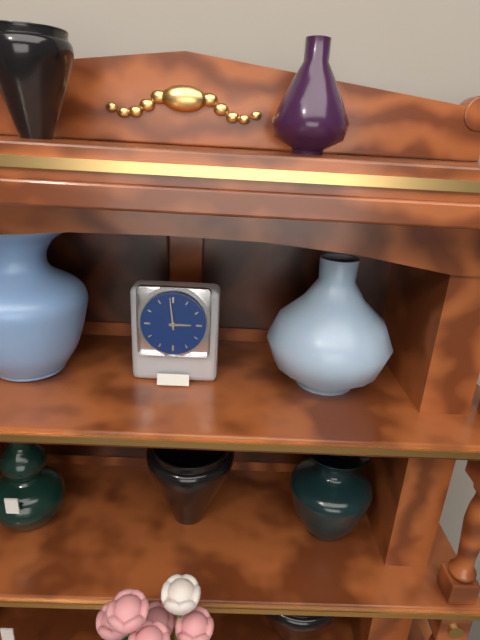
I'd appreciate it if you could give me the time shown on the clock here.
2:59
